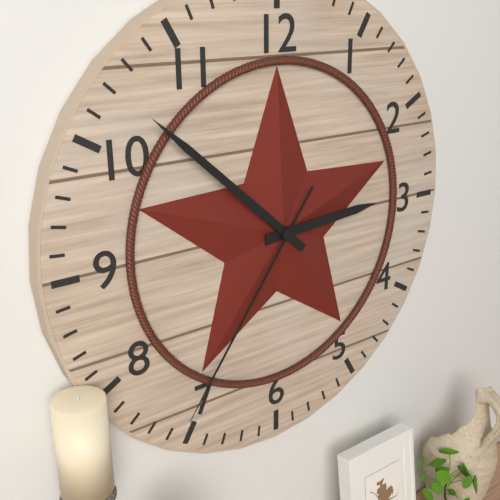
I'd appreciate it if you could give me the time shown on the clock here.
2:52:36
